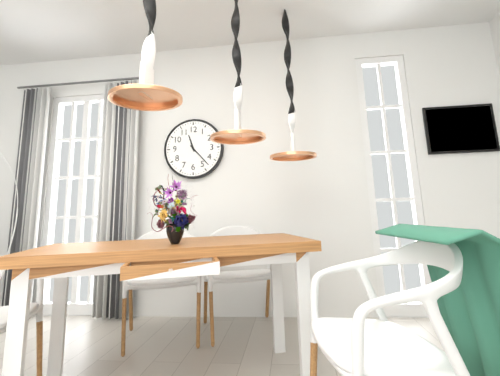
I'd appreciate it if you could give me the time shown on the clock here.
11:23
